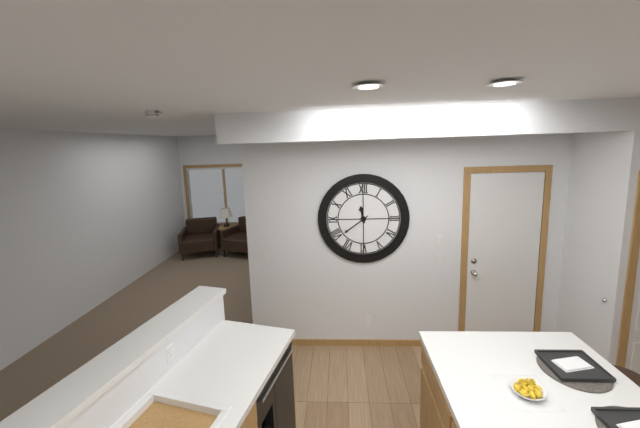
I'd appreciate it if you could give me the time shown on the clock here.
11:39
